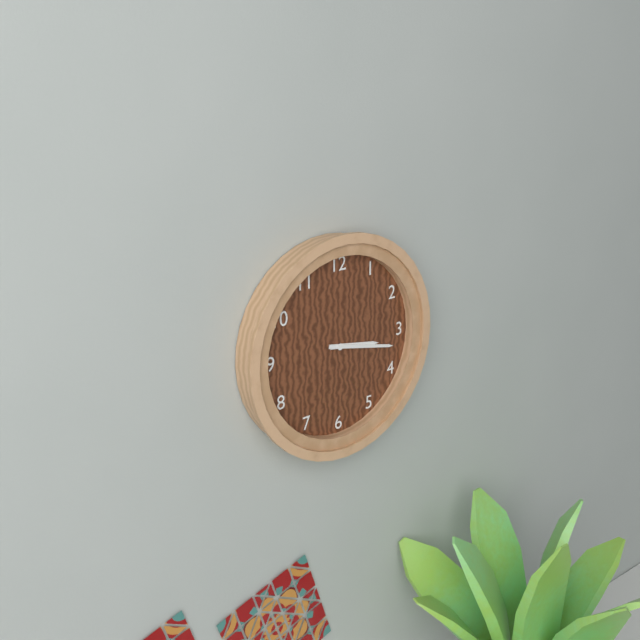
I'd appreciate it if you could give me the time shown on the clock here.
3:17
